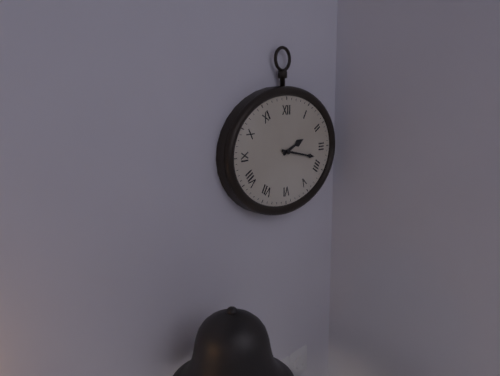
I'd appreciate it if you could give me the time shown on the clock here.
2:17
